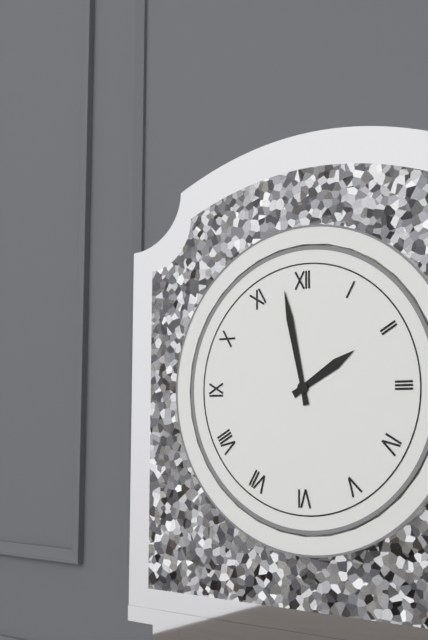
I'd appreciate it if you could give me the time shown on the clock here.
1:58
